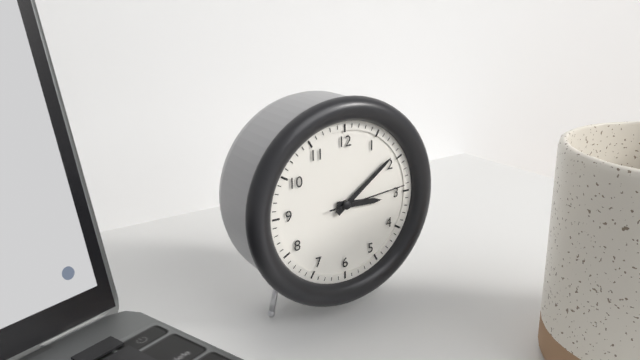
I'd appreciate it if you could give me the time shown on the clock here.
3:09:14
